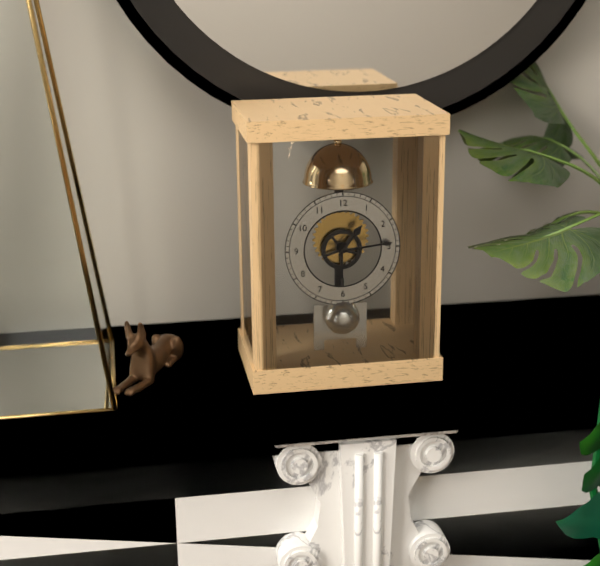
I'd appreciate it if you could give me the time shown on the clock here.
1:14
